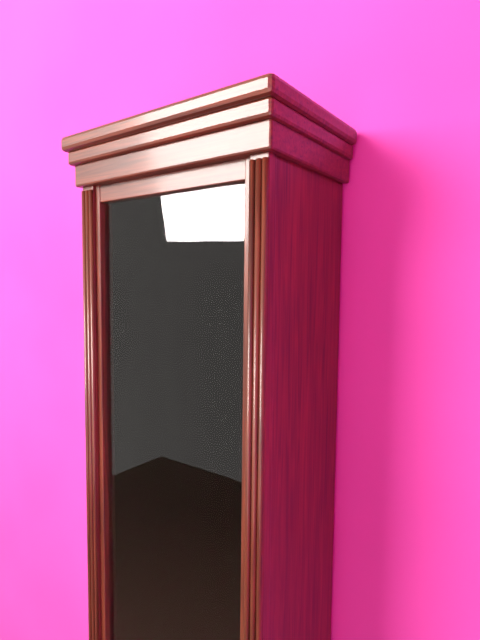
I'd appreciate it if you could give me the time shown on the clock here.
12:26
